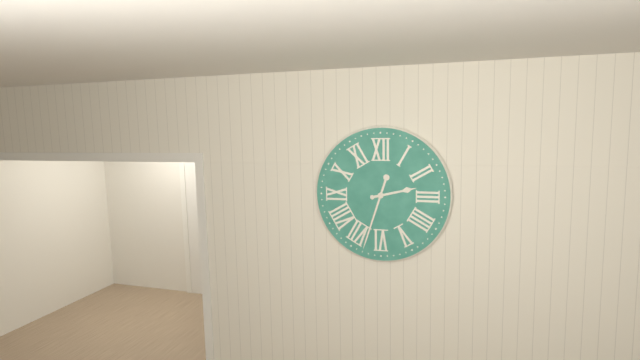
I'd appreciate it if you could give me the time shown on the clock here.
2:33
